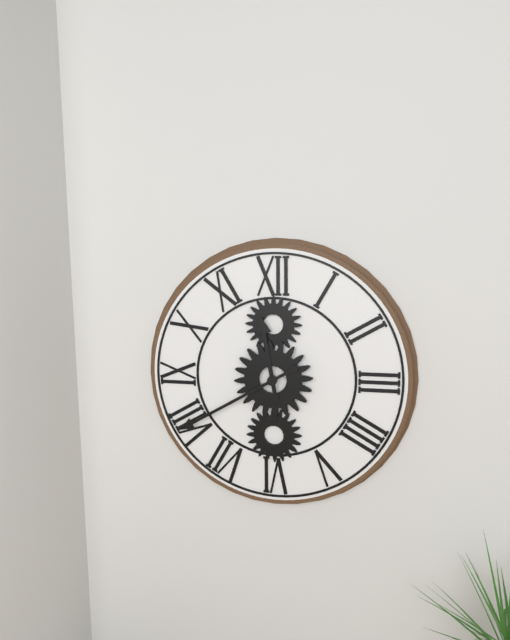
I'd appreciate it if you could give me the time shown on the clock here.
11:40
